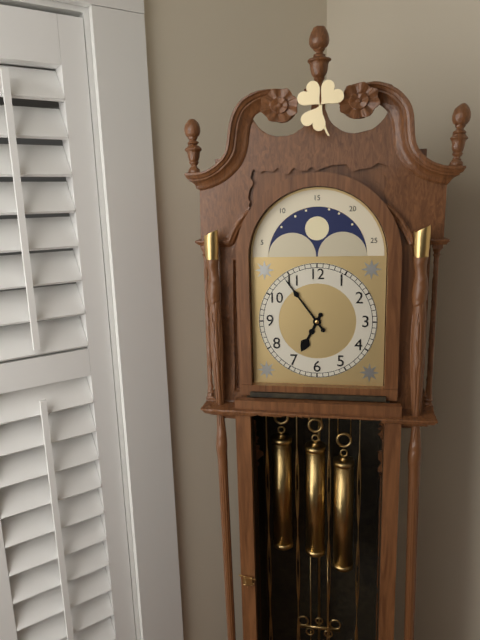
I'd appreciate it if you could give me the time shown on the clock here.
6:54
